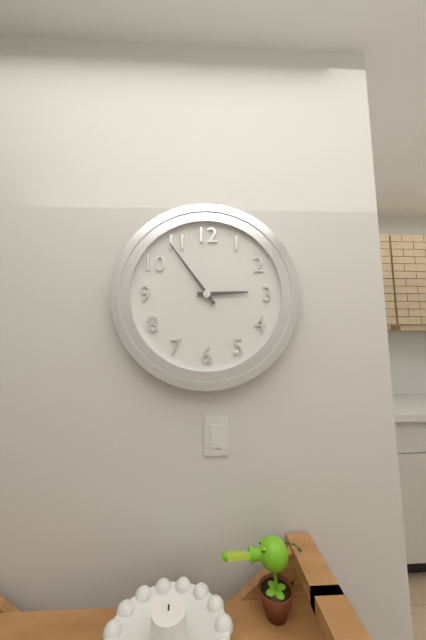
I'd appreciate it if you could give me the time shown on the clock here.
2:54
